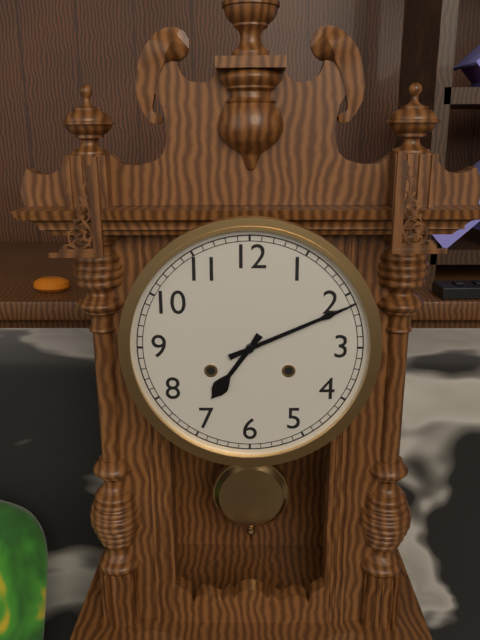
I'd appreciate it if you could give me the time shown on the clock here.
7:11
